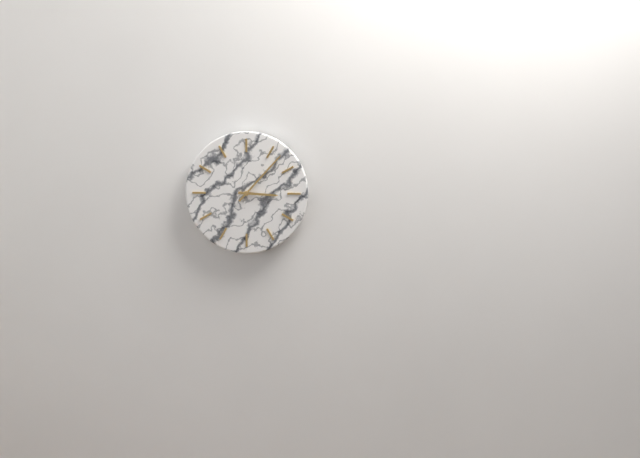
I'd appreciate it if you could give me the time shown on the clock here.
3:07
